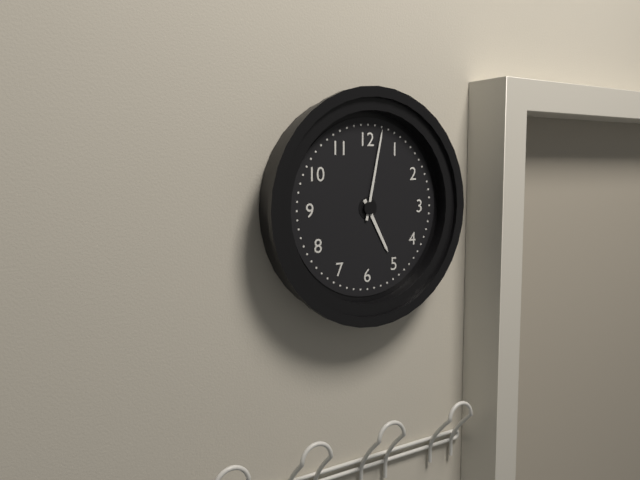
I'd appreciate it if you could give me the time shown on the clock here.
5:02
